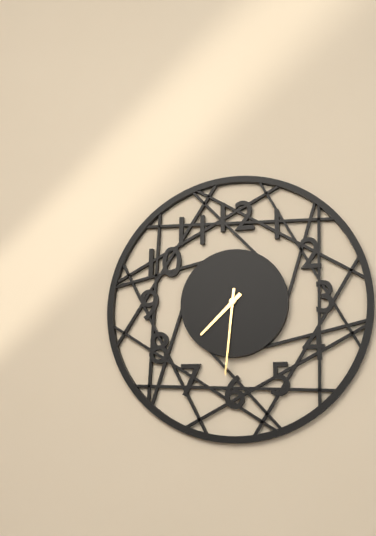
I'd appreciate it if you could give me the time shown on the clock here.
7:31
